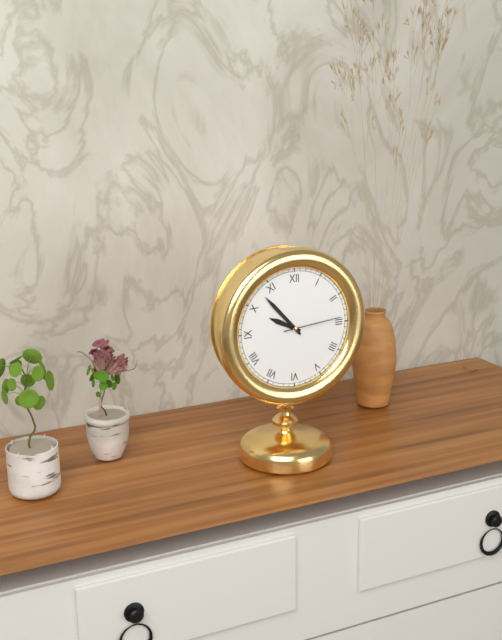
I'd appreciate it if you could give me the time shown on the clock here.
9:53:14
